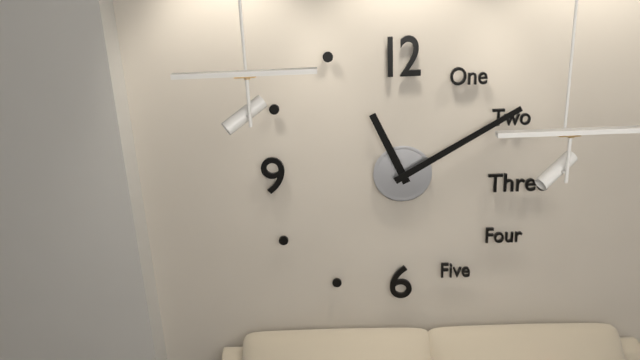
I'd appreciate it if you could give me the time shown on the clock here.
11:10
